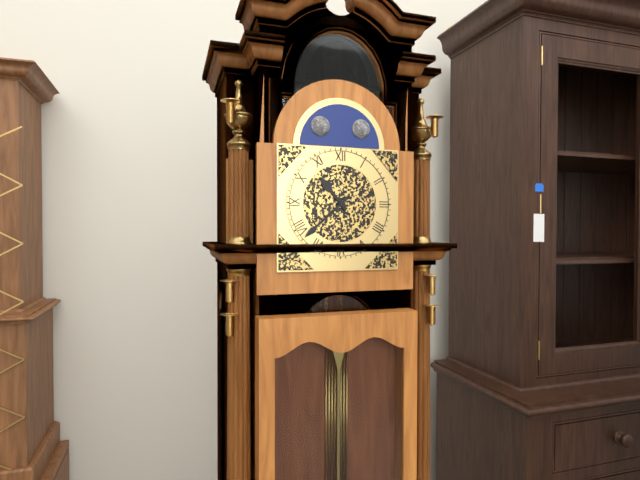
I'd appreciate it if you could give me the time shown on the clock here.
10:38
